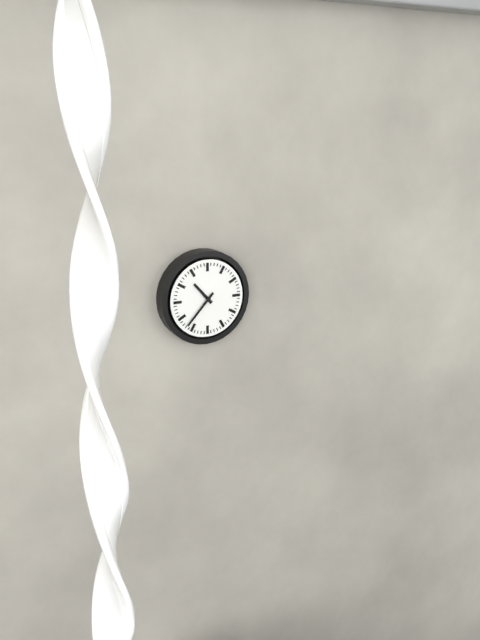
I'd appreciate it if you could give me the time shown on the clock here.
10:37
